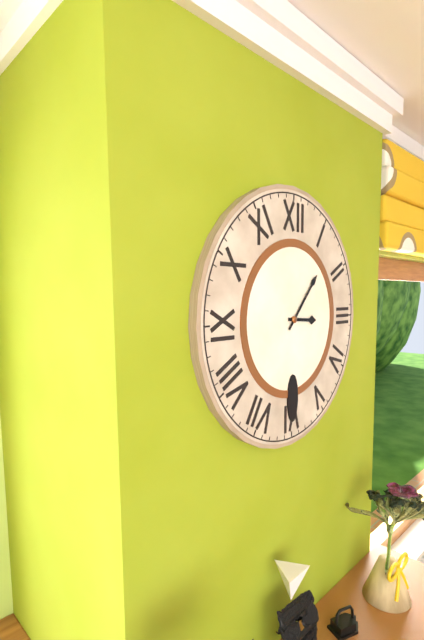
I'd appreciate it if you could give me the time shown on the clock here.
3:07
